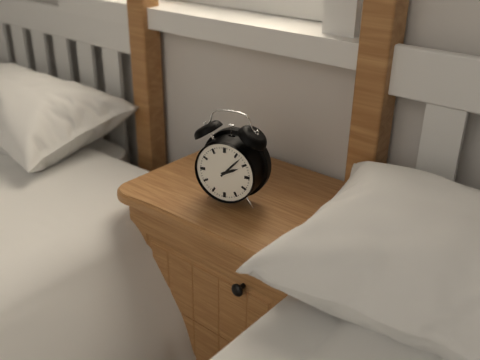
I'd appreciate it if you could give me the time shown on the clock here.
2:07
